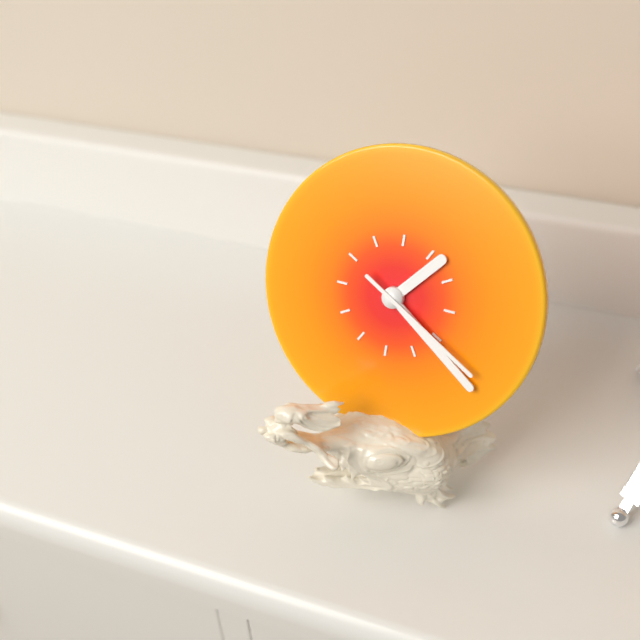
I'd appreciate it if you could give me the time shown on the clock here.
1:21:20
